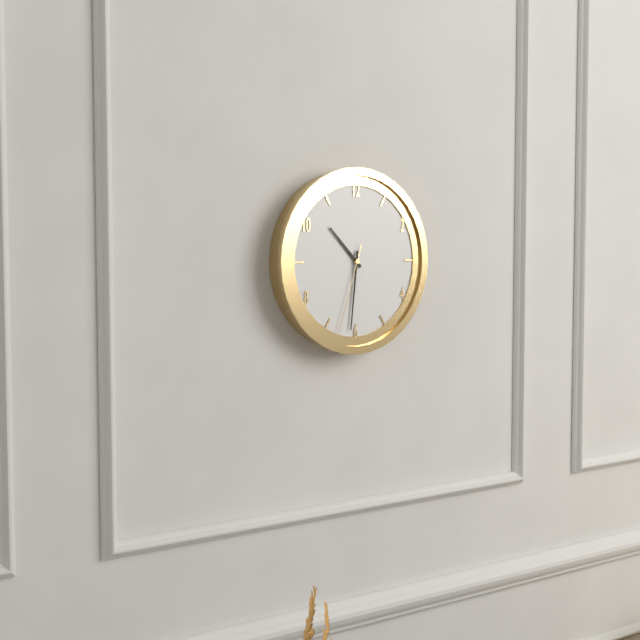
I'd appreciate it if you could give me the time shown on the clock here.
10:31:33
